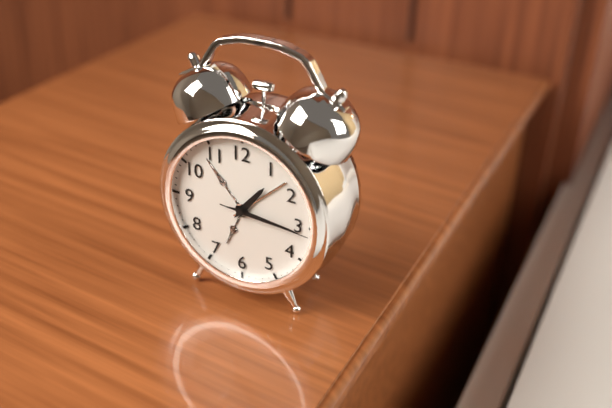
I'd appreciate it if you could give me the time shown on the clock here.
1:16:16
